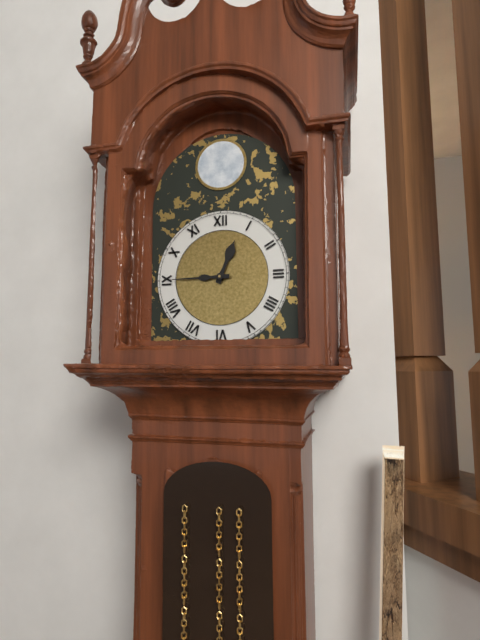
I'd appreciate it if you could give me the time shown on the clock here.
12:45
